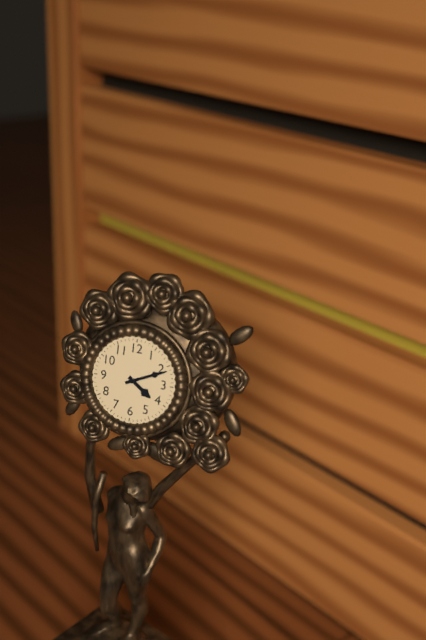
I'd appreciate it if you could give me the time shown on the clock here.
4:11
